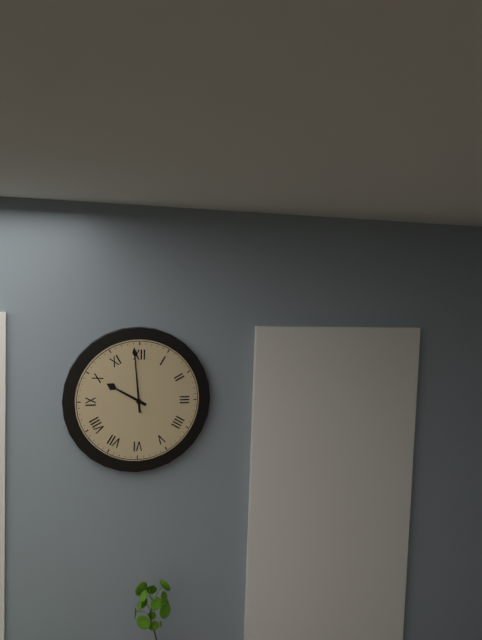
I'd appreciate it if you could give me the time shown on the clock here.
9:59
